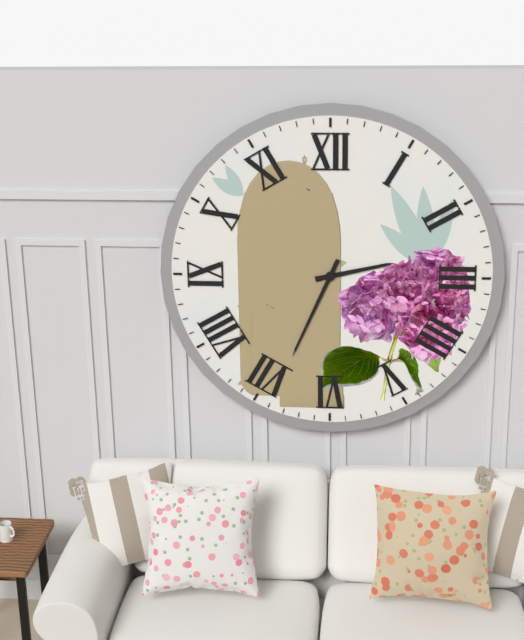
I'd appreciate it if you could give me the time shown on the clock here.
2:34
